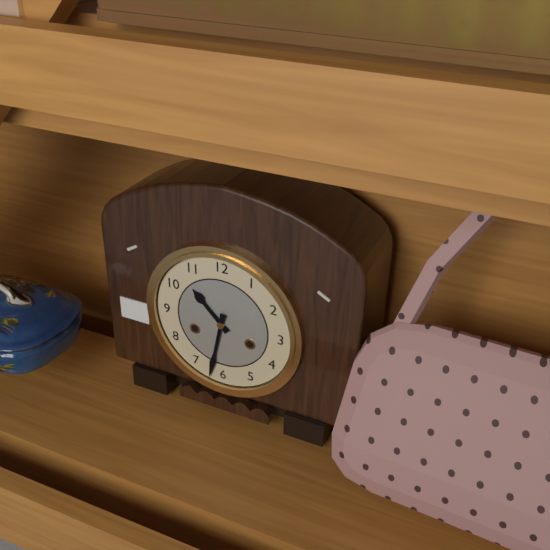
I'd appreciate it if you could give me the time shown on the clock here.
10:32
